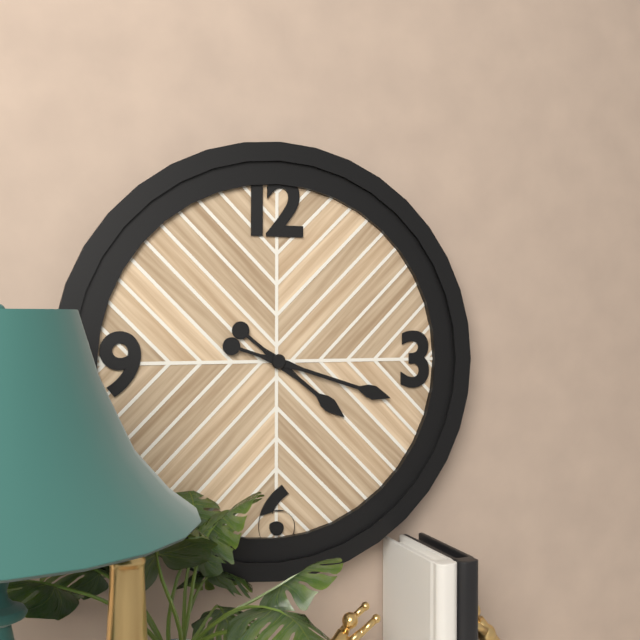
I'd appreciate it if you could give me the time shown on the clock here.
4:18
